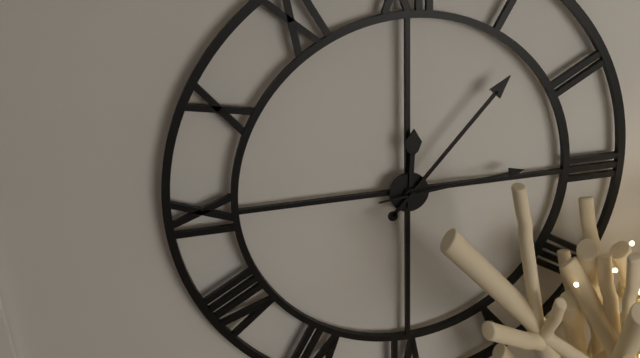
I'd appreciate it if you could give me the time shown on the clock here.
12:07:14
